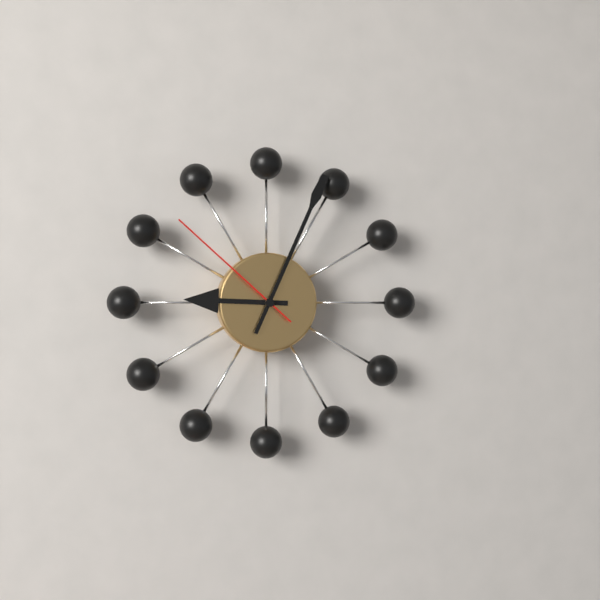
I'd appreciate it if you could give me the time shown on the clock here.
9:04:52
